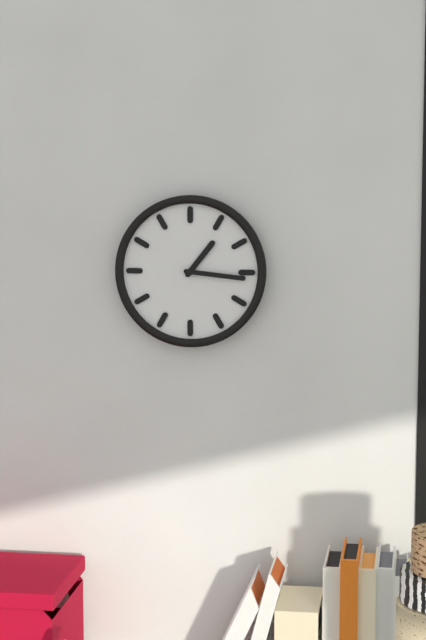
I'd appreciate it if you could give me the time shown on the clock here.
1:16
